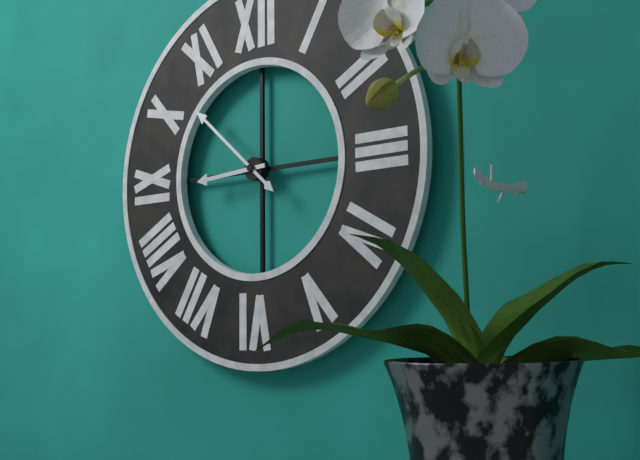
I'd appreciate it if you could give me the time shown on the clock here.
8:52
